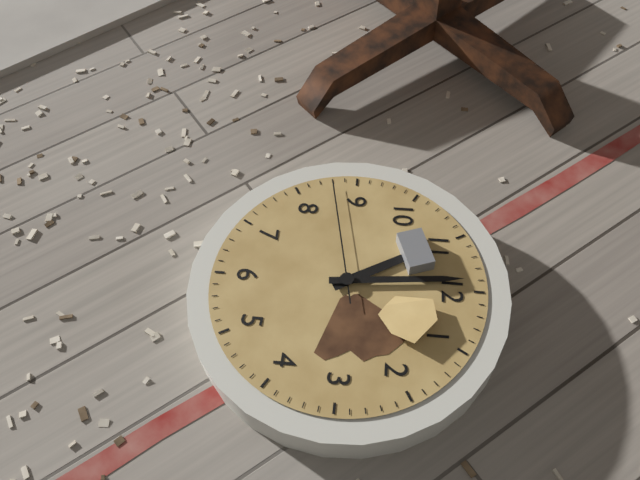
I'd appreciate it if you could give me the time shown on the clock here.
10:59:43
